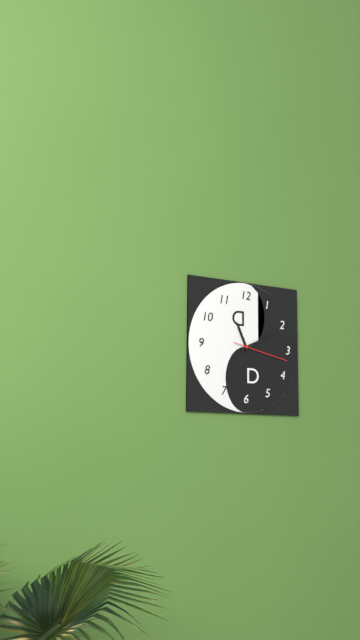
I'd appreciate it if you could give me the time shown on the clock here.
11:11:17
